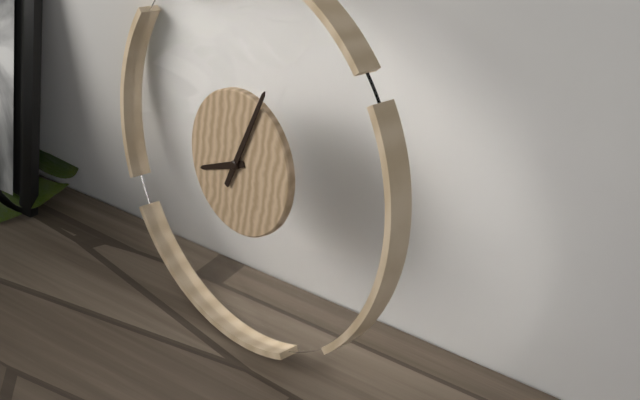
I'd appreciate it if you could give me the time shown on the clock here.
8:03
